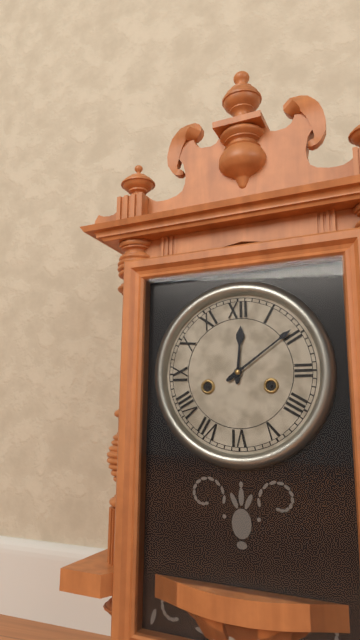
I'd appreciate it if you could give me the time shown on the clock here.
12:09
